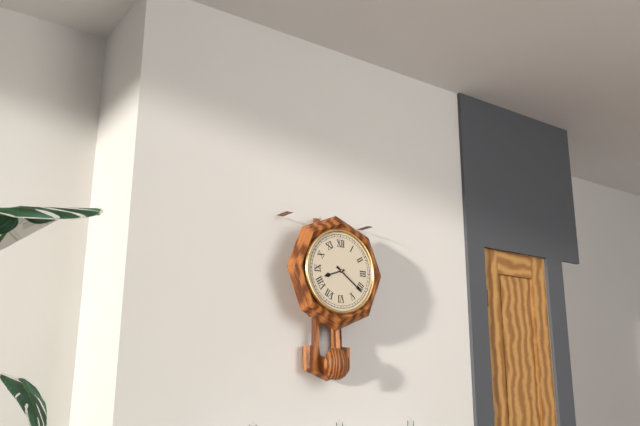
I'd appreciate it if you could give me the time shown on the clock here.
8:21
